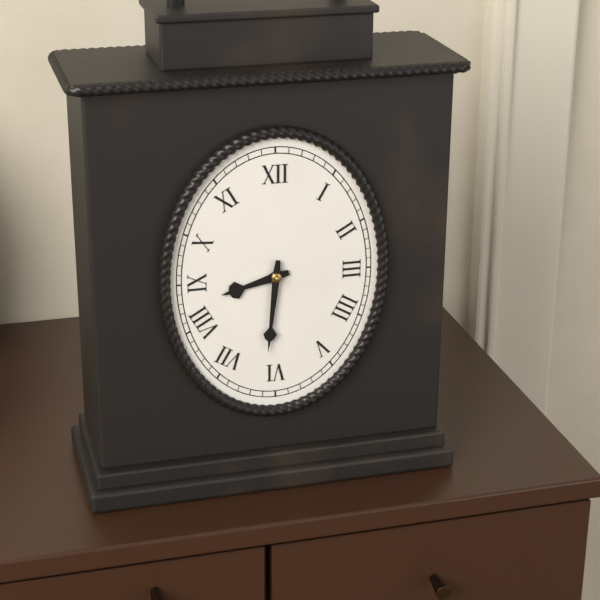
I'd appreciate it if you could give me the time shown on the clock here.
8:31
